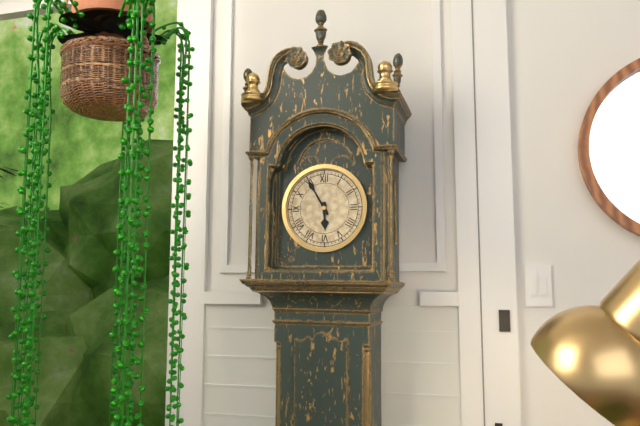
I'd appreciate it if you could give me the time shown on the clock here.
5:55
